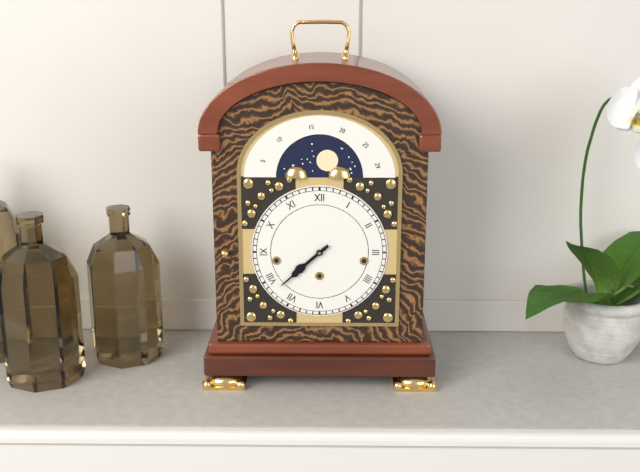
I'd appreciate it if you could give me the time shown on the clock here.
7:38
